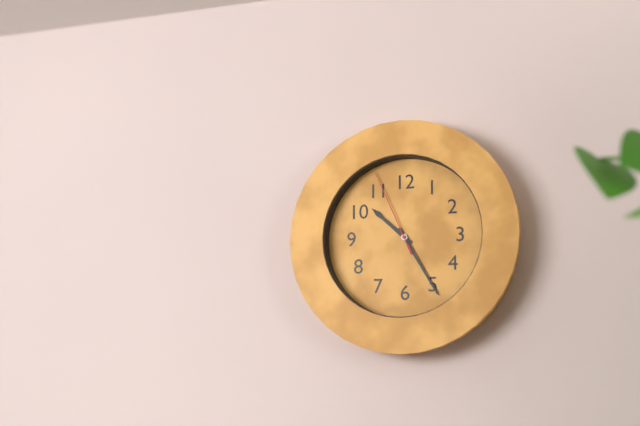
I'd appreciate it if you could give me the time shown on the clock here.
10:25:56
